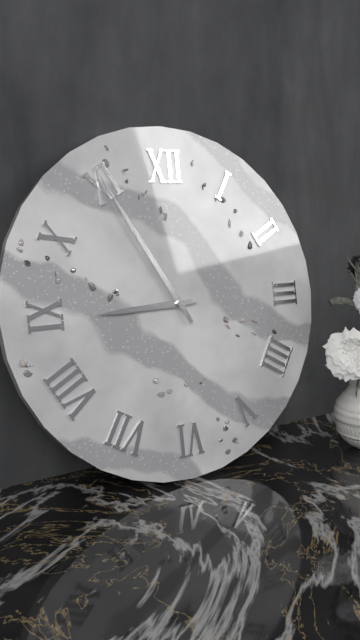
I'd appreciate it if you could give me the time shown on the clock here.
8:55
